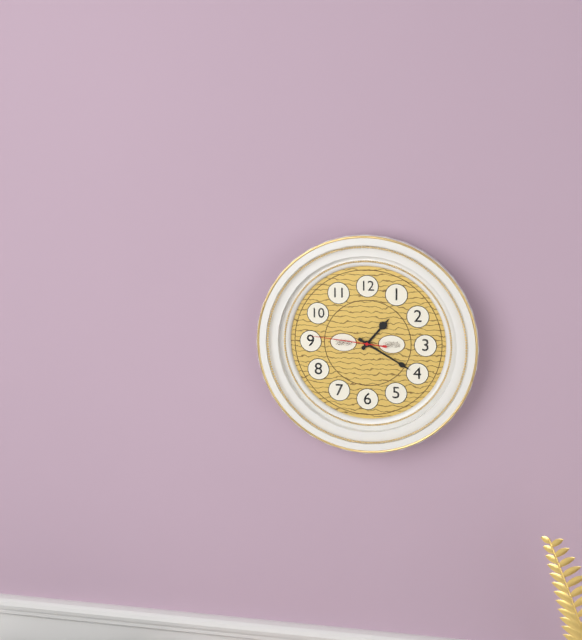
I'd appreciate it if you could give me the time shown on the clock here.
1:20:46
